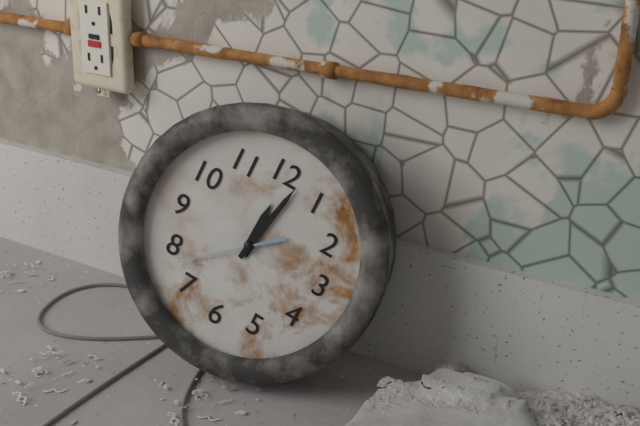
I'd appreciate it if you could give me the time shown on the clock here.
12:02:38
